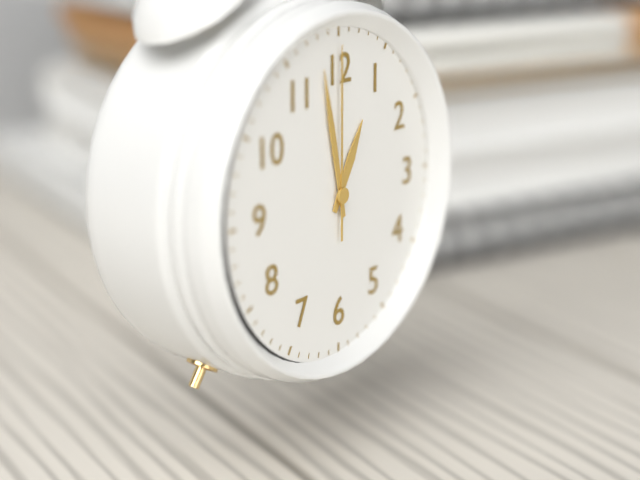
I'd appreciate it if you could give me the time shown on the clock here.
12:58:00
